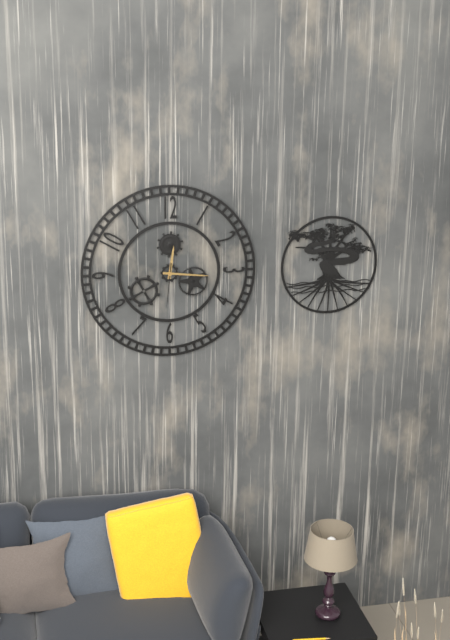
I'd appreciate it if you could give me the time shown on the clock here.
12:16
